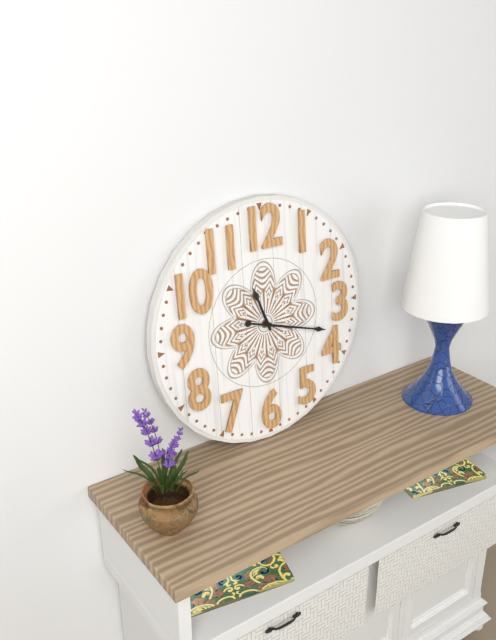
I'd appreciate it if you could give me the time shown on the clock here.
11:18
